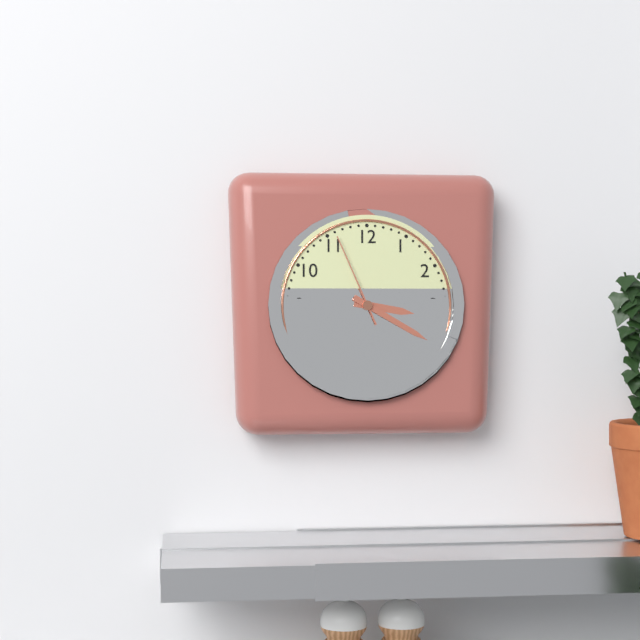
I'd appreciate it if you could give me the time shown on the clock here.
3:20:56
